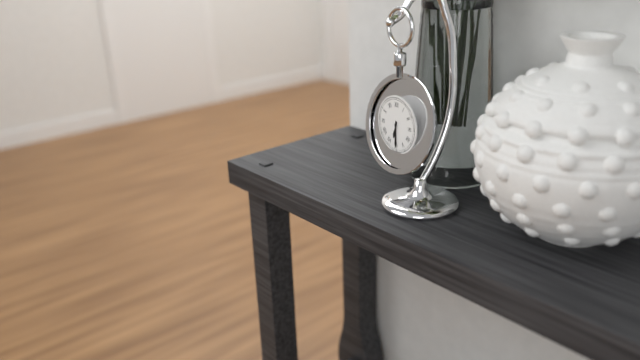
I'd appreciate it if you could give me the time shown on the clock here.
6:30
